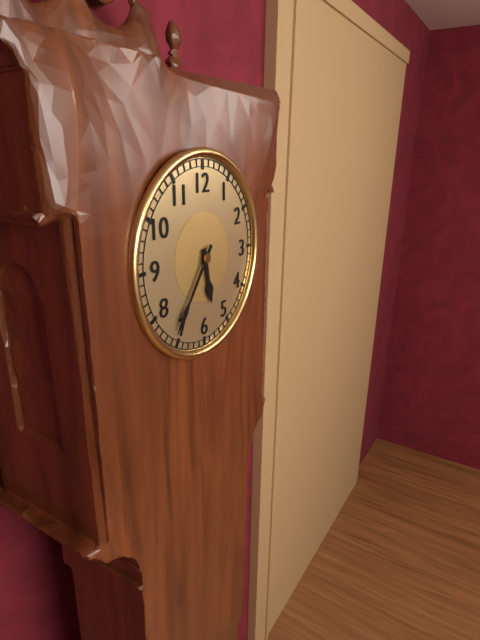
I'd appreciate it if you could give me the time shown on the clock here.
5:36
